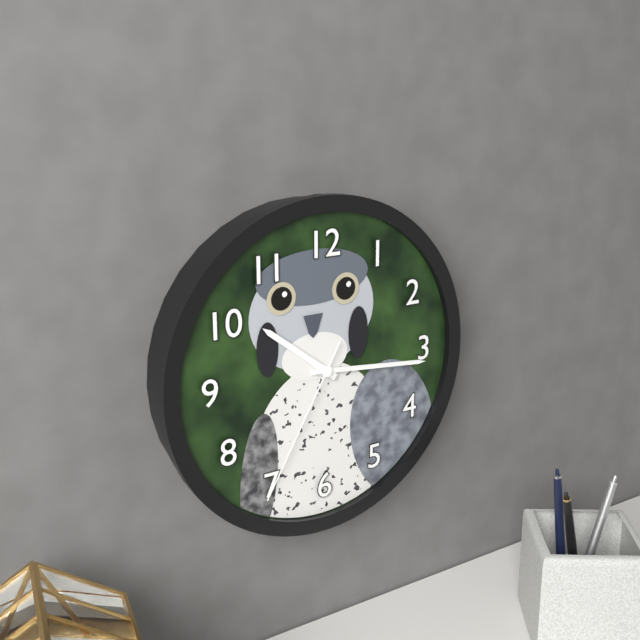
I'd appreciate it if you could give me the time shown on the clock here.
10:16:35
